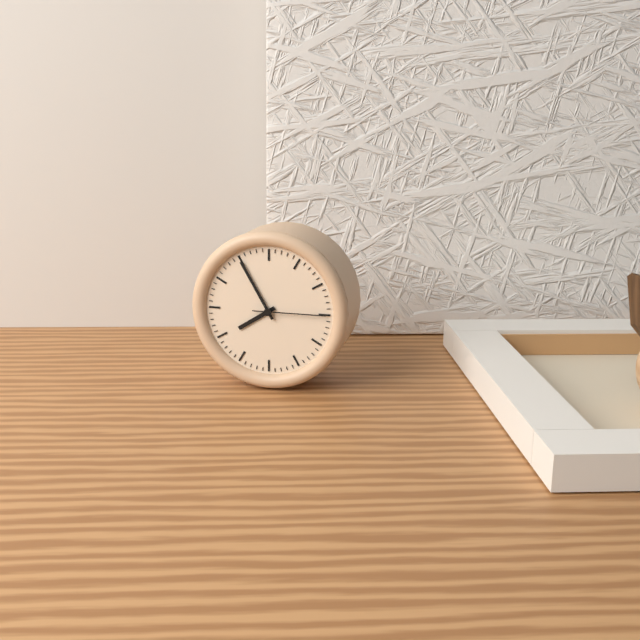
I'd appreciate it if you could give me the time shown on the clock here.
7:55:15
